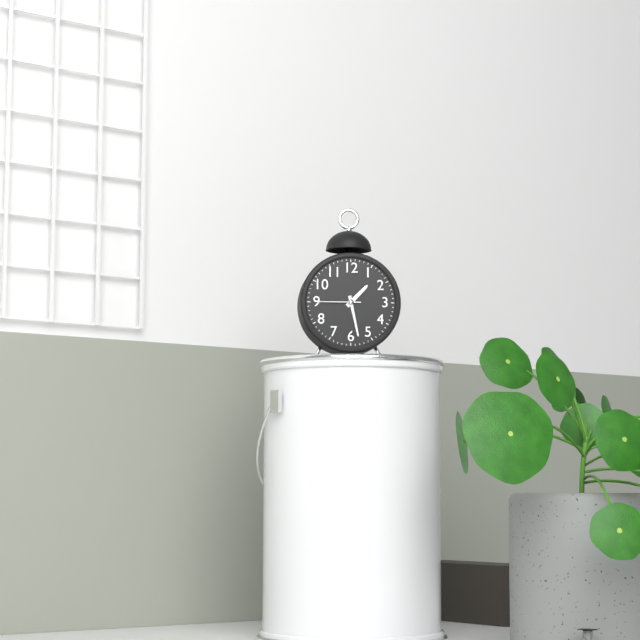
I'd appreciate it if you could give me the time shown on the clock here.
1:28
